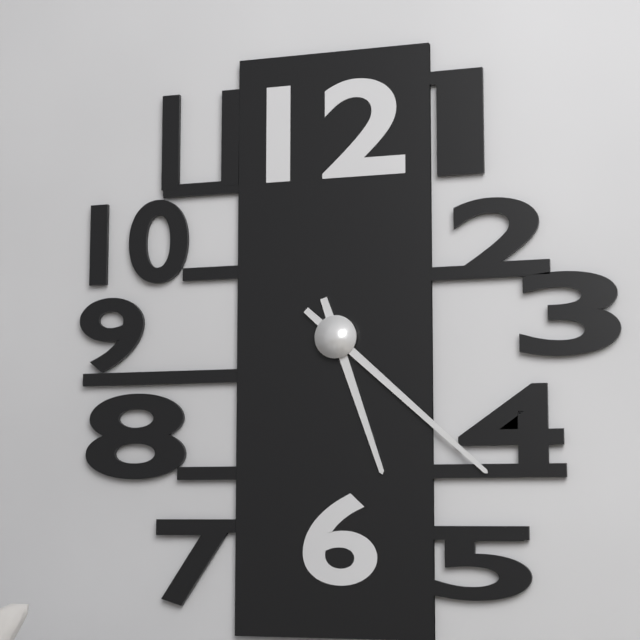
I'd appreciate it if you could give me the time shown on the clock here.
5:22
